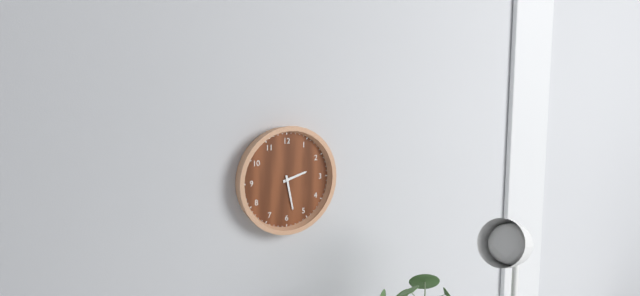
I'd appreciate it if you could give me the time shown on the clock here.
2:28
